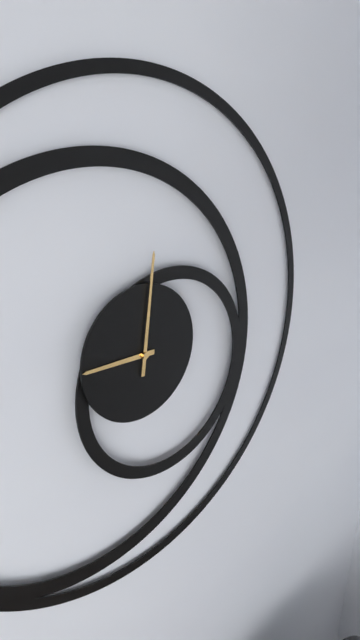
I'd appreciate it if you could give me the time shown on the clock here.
9:01
